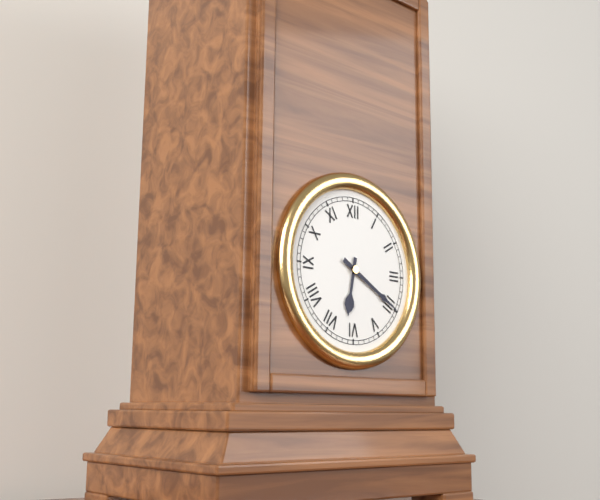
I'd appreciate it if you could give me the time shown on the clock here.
6:20
